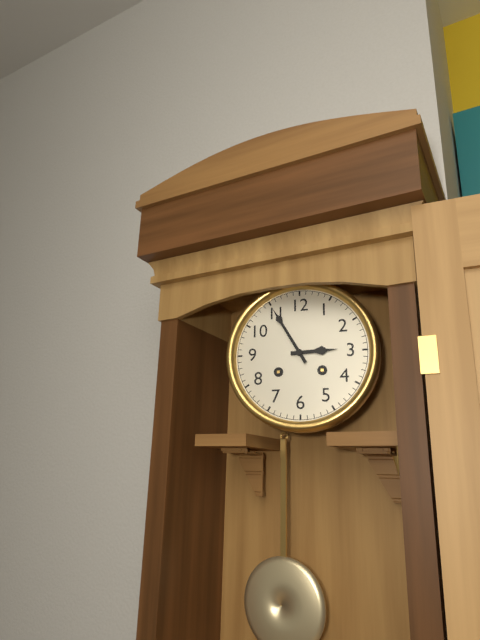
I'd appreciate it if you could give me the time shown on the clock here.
2:55
